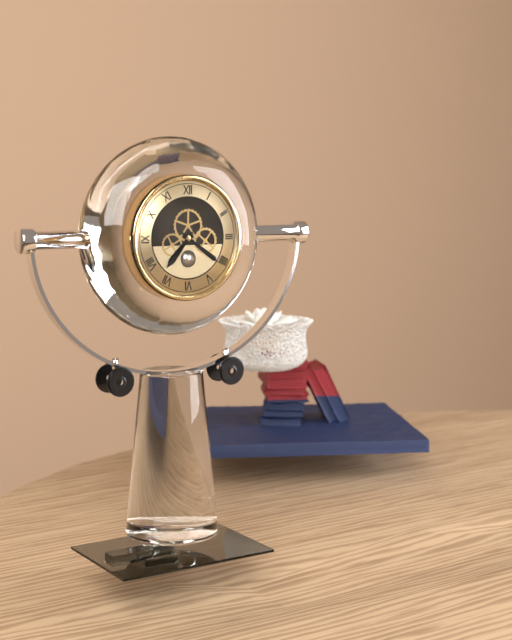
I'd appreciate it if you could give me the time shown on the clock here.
7:21
